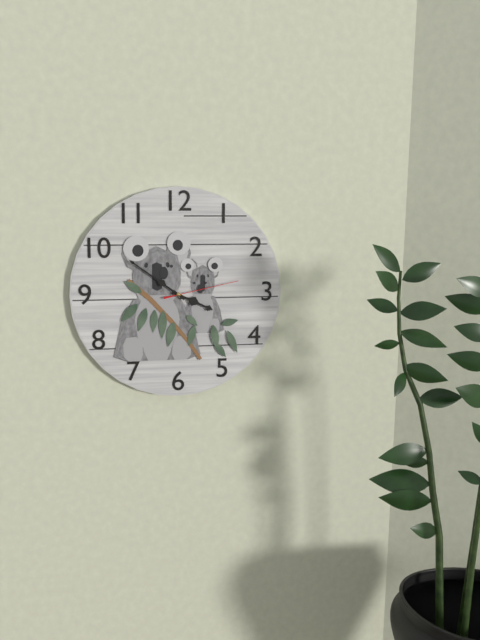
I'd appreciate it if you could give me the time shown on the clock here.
3:51:13
